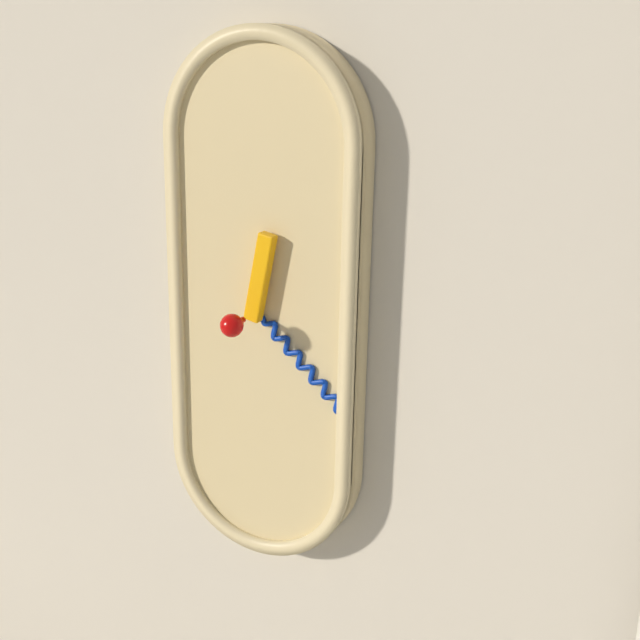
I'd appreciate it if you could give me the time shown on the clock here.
12:22
